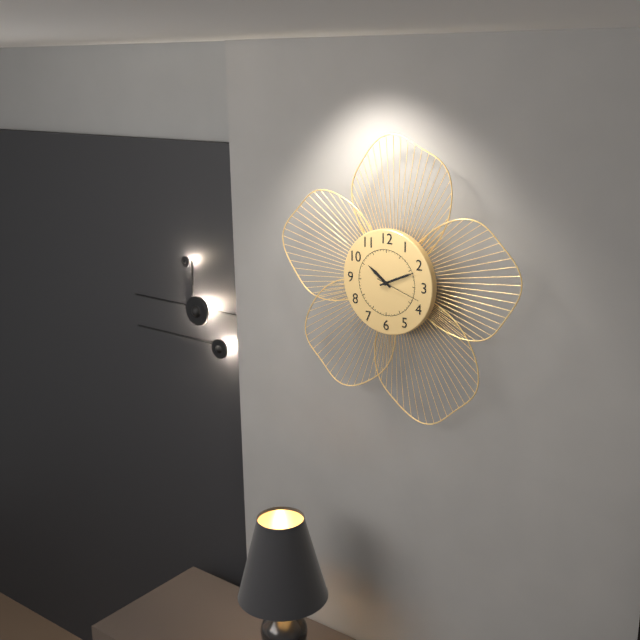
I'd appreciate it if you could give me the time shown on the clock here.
10:11
